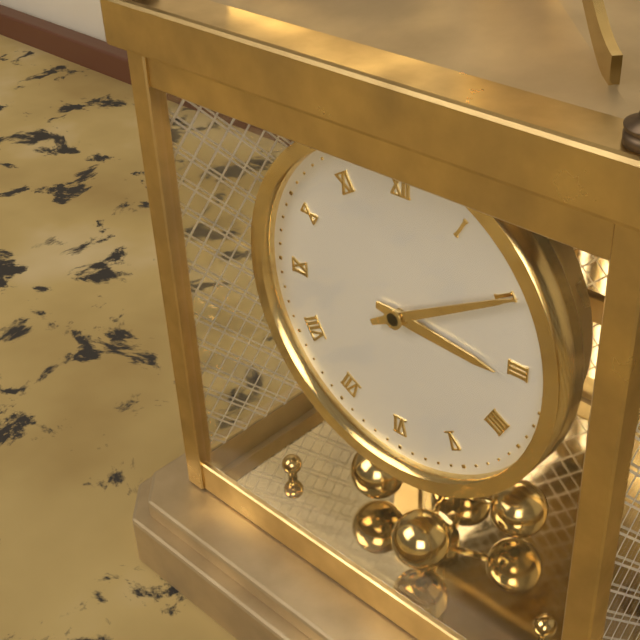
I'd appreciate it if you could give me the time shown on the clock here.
3:10
